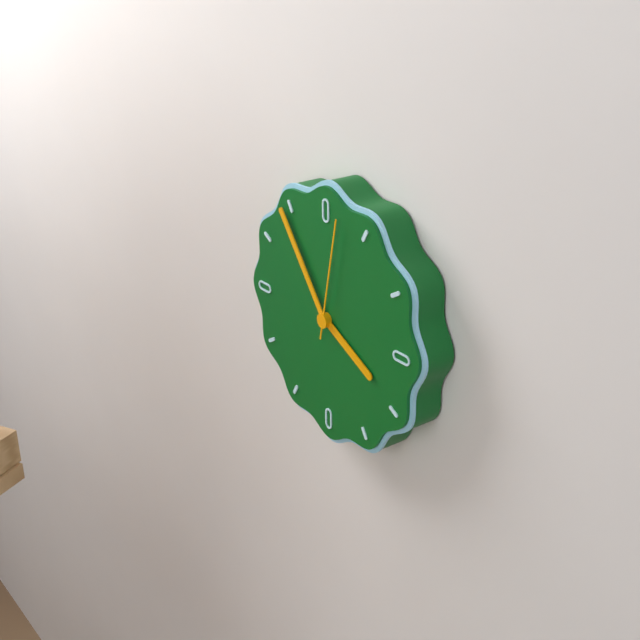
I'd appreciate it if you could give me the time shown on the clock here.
3:54:02
